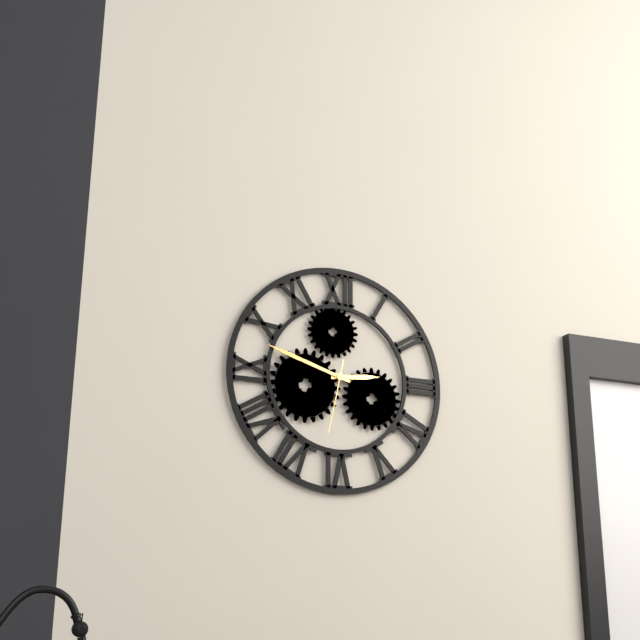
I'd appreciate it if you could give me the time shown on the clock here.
2:48:32
